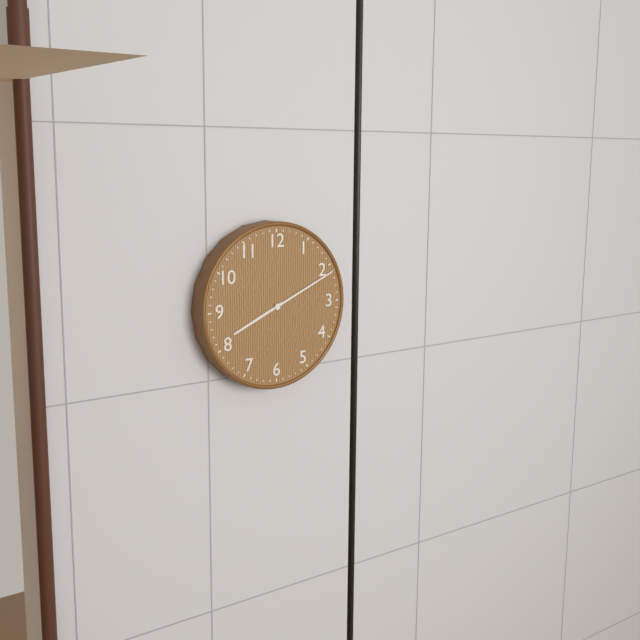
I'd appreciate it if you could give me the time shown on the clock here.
8:11
